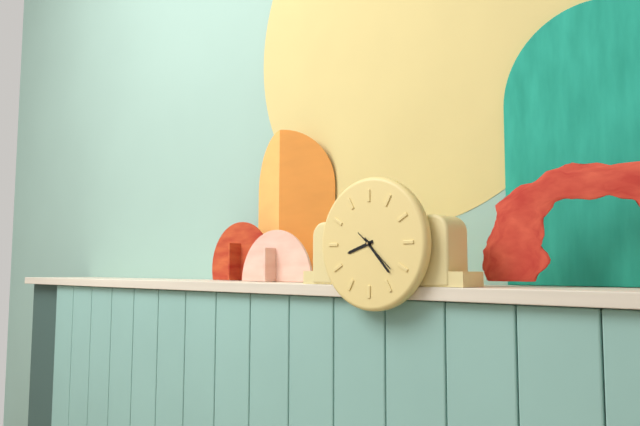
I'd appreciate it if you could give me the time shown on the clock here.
8:23
